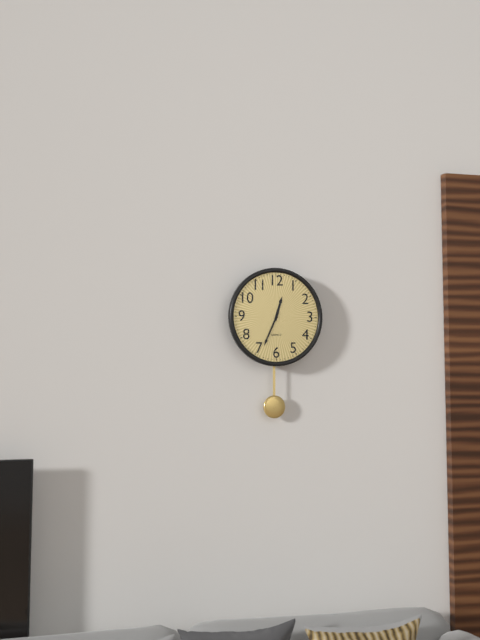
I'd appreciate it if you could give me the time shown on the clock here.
12:34
